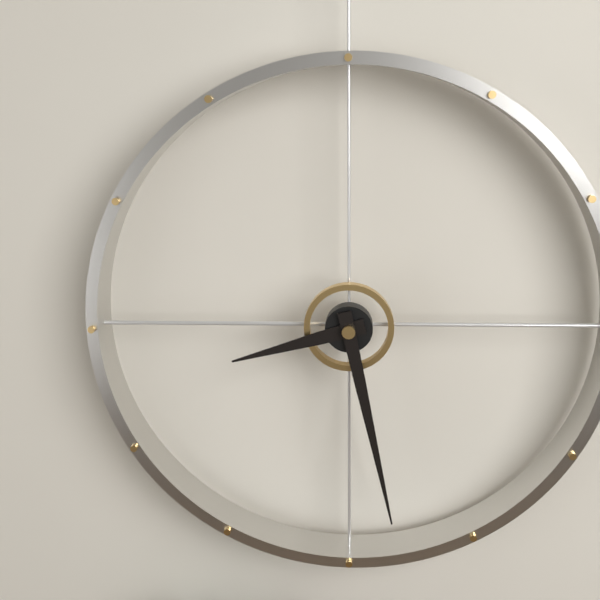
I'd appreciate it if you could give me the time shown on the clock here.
8:28
